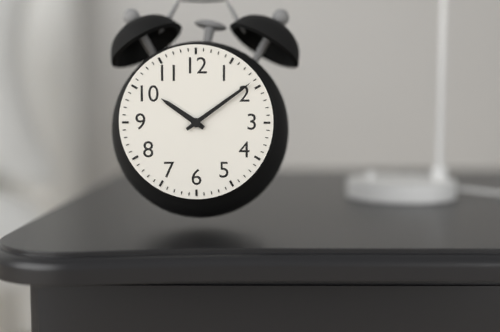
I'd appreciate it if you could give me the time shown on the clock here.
10:09
